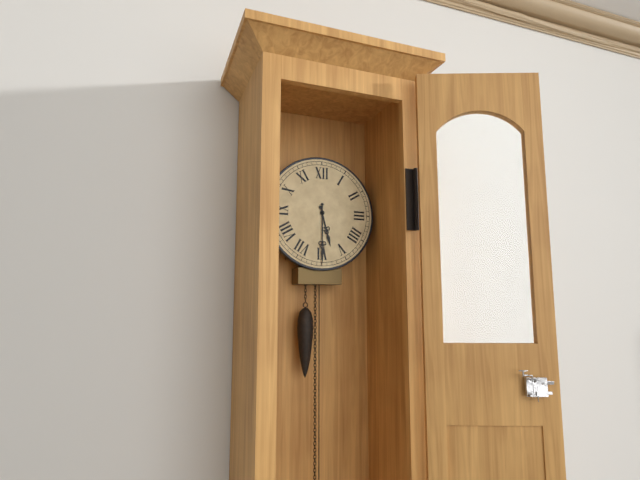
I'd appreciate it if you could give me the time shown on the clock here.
5:30
